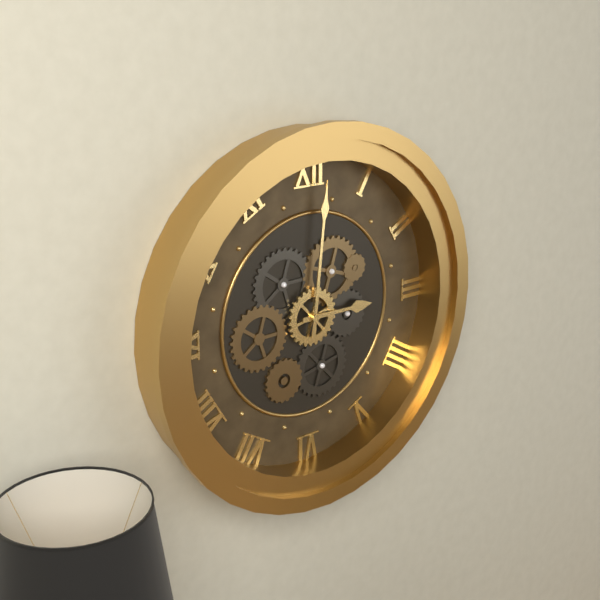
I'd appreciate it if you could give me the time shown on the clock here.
3:01
